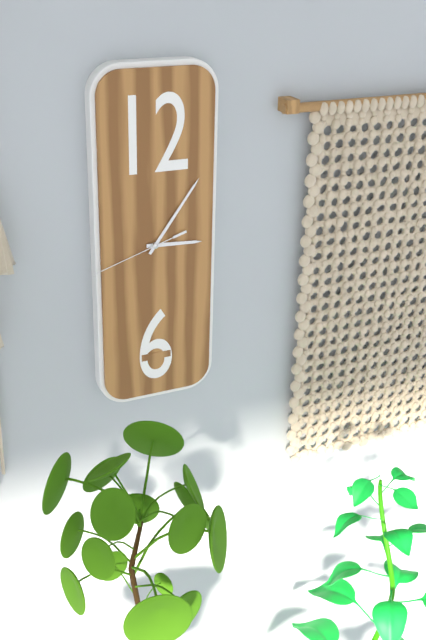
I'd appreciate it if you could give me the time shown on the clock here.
3:06:42
